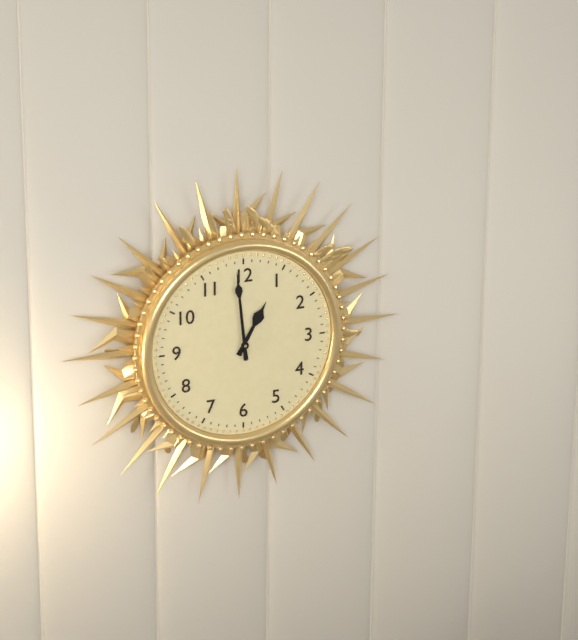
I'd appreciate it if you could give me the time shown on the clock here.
12:59
